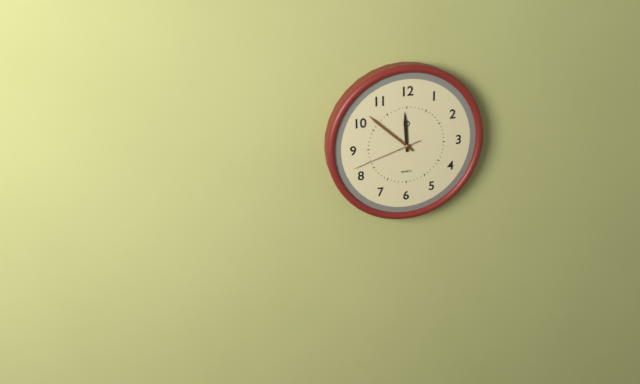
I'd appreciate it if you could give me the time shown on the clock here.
11:52:42
